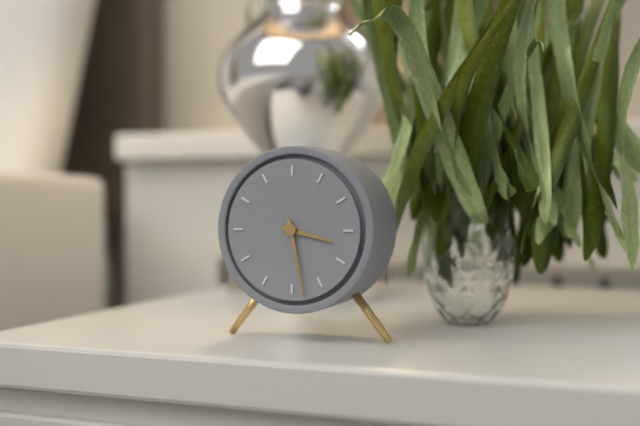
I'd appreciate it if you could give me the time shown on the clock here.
3:28
